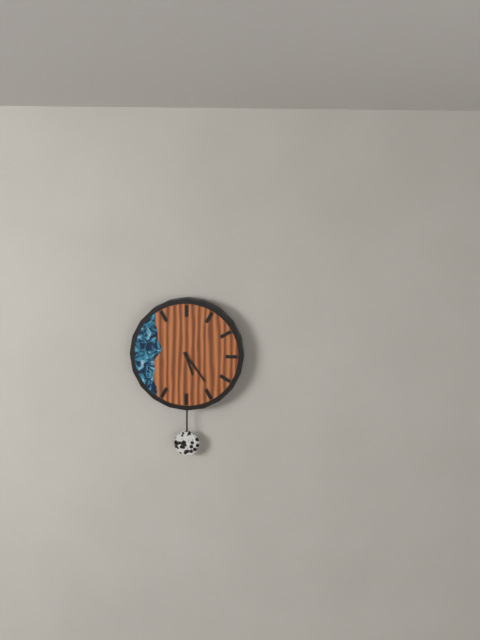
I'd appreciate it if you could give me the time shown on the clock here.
5:24
